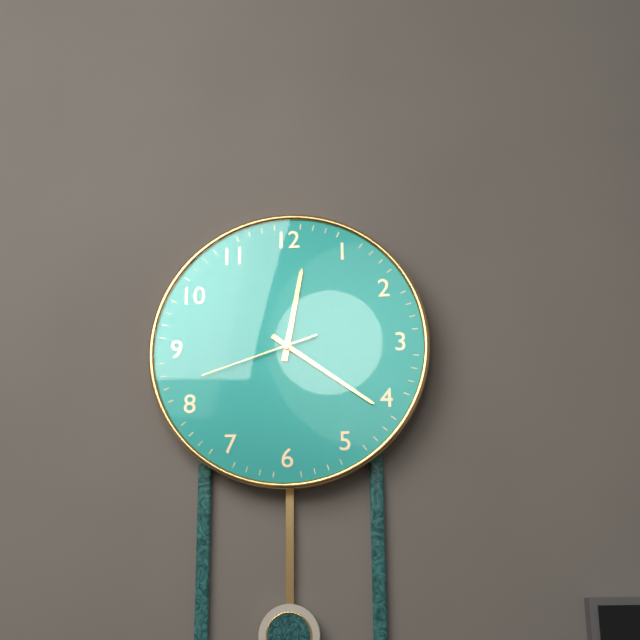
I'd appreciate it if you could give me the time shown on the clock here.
12:21:42
